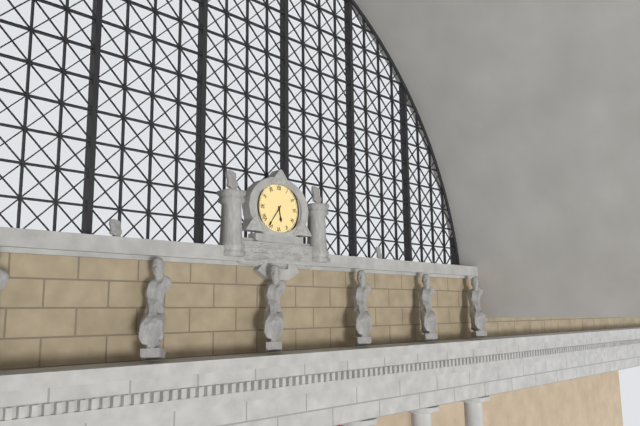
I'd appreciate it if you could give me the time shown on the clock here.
5:36
